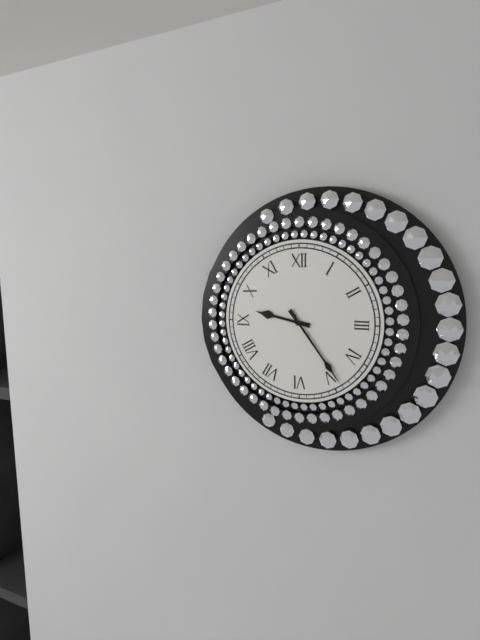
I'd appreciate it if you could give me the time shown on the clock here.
9:24
